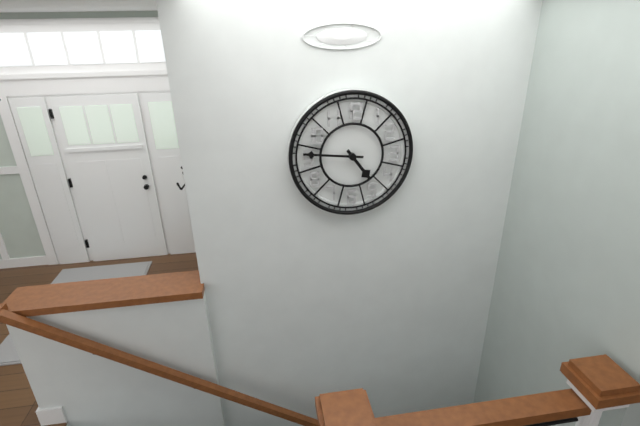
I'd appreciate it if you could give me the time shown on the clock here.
4:46
